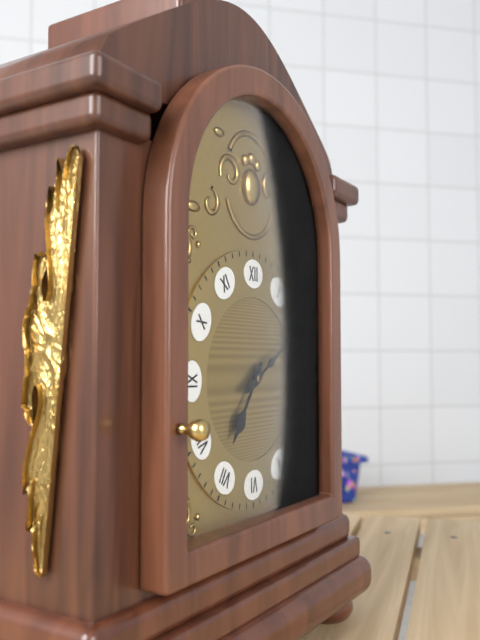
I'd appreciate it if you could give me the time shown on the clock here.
7:10
